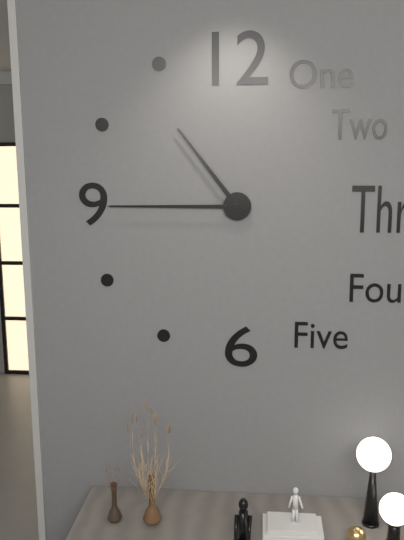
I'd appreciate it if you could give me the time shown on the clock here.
10:45
